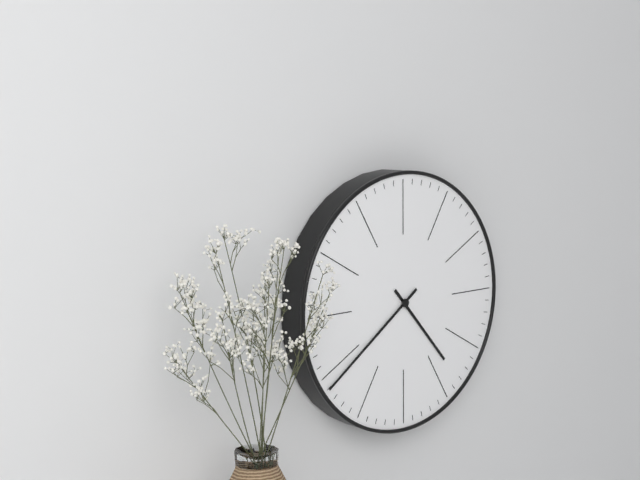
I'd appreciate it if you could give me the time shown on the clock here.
4:39
